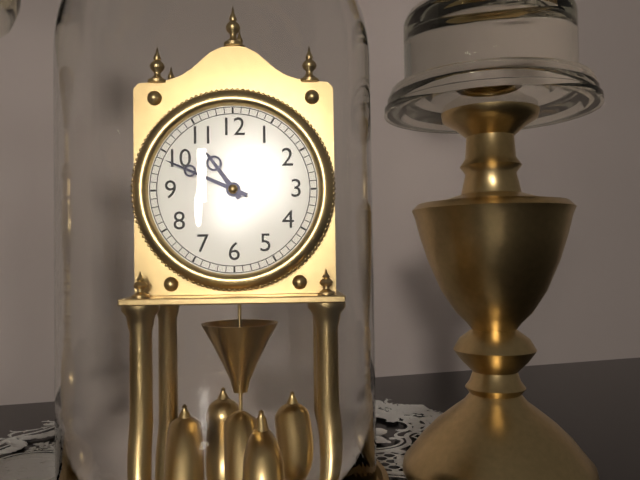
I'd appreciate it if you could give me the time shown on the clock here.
10:49
